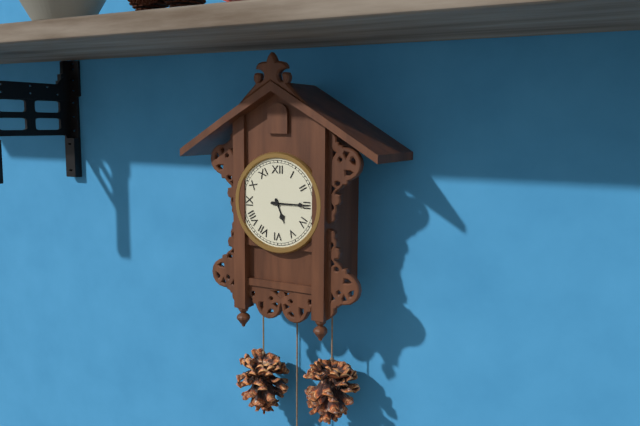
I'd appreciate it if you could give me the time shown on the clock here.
5:15
